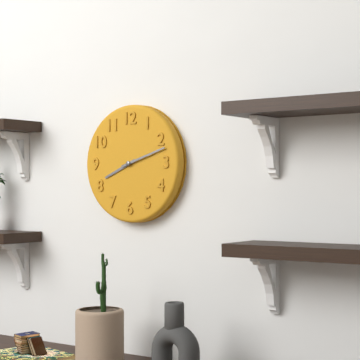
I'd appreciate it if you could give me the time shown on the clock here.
8:12
